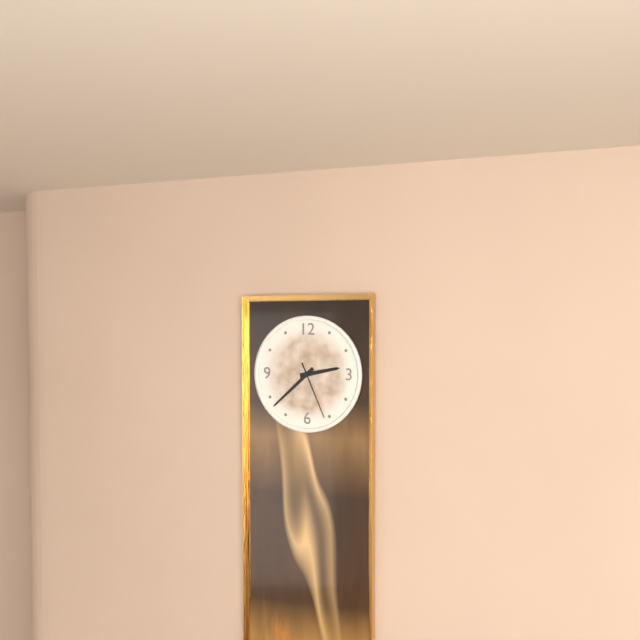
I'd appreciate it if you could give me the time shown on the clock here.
2:38:26
